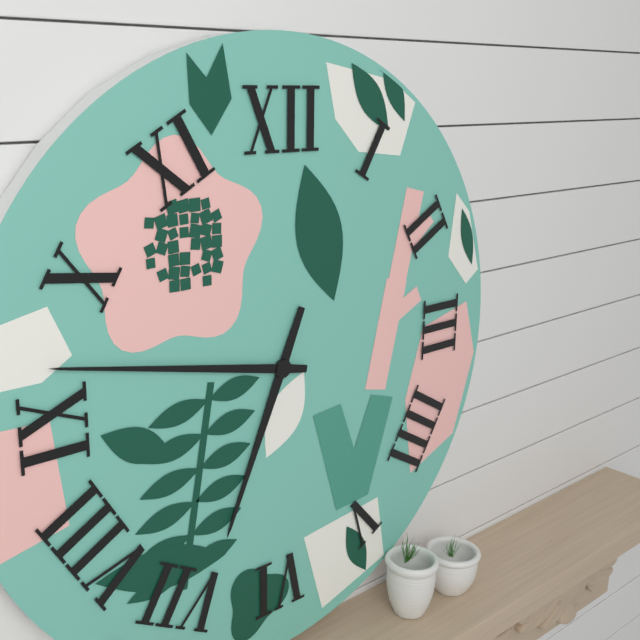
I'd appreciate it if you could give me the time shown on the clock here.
6:47
